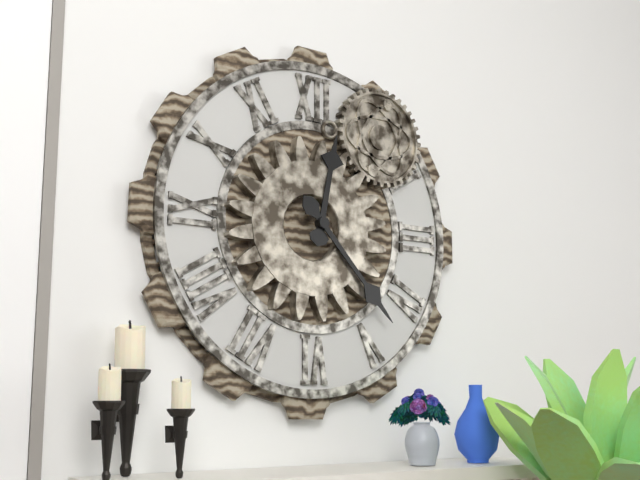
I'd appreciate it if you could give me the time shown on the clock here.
12:23
